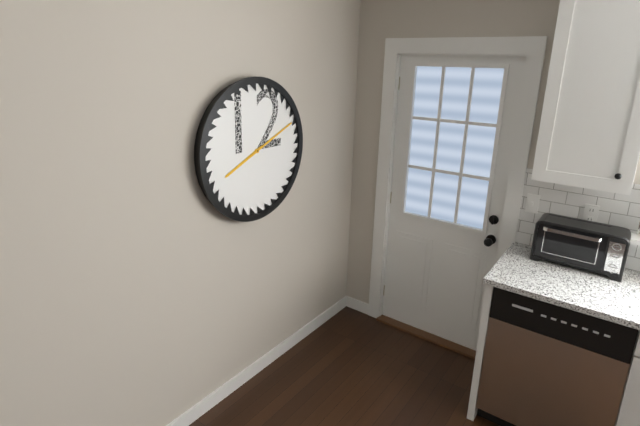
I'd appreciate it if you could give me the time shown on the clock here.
8:11
